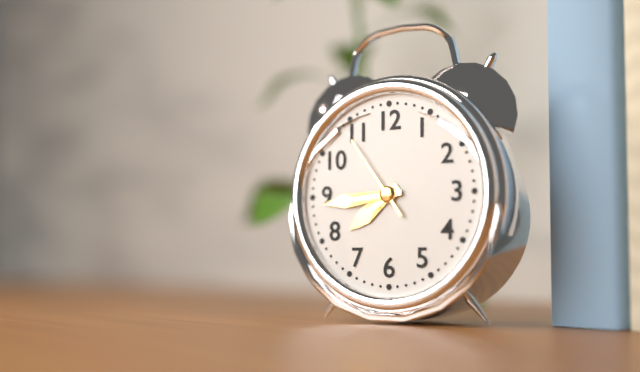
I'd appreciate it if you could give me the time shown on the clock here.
7:44:54
